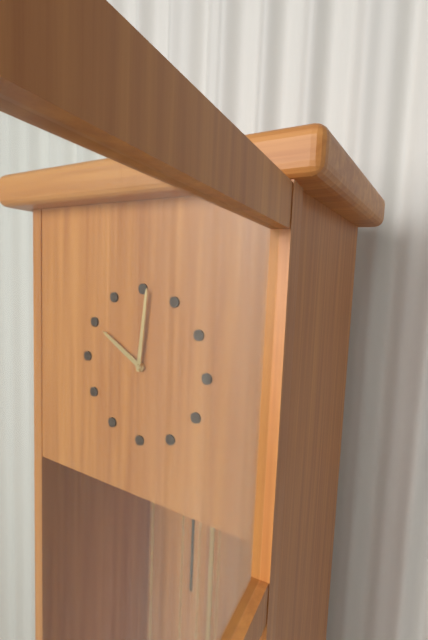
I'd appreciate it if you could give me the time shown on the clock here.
10:01
